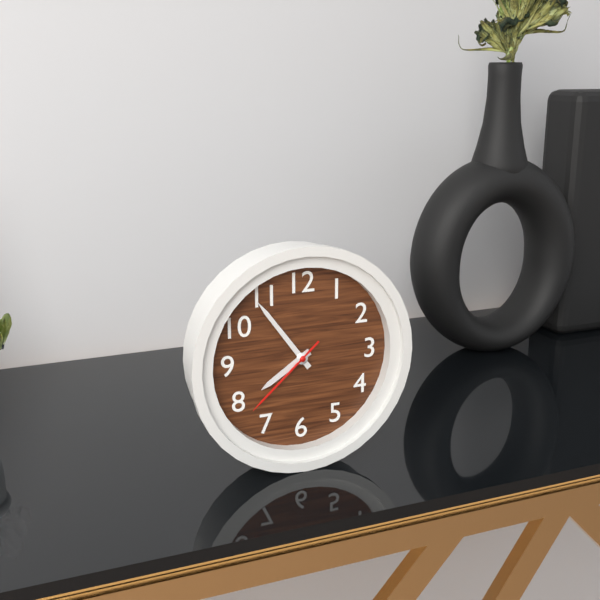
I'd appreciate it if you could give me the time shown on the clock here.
7:54:38
